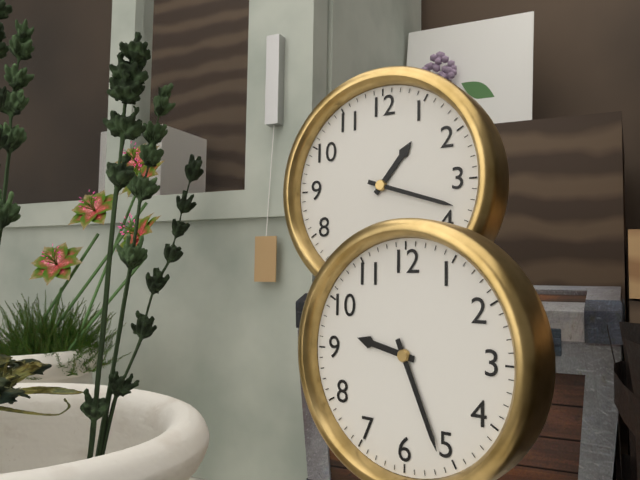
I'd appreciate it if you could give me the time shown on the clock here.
1:18
